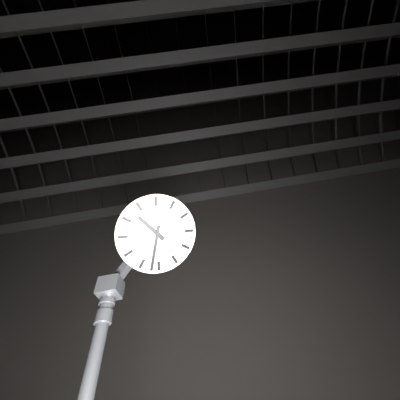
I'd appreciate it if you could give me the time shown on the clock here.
10:32
